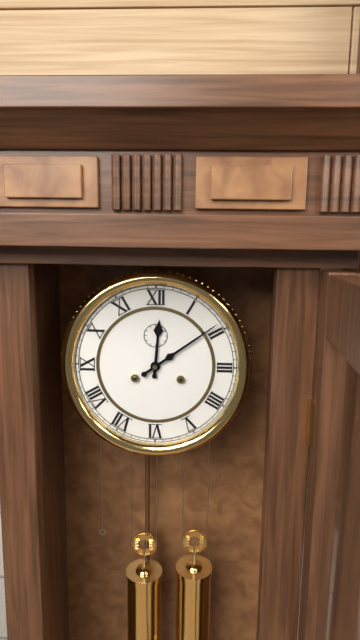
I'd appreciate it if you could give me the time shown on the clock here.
12:09
